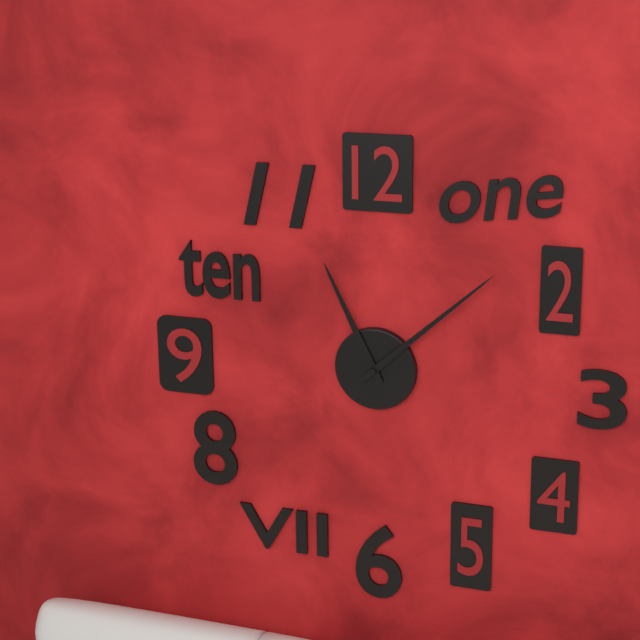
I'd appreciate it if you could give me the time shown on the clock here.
11:08
